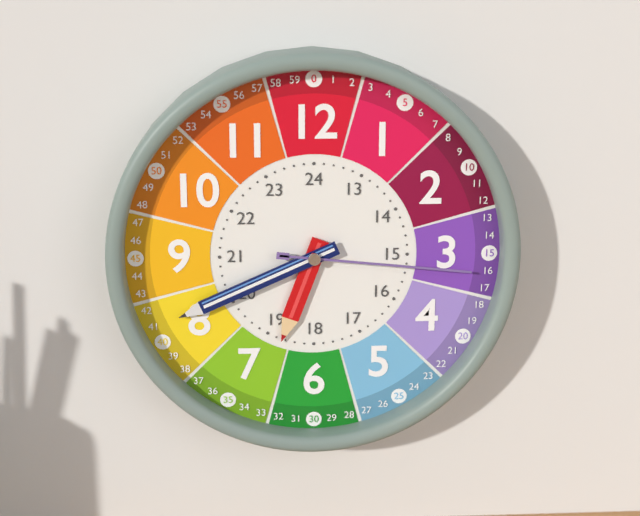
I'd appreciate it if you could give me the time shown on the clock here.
6:41:16
